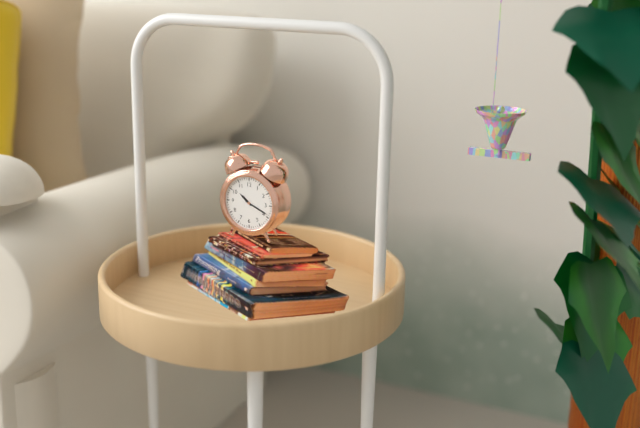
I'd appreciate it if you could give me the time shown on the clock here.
10:19
